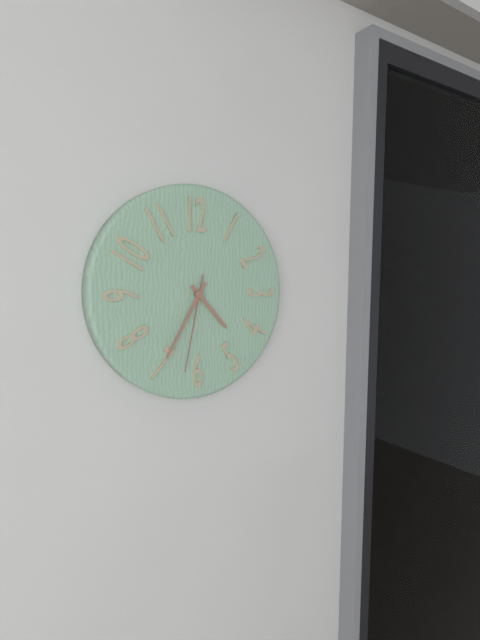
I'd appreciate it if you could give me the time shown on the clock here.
4:35:32
